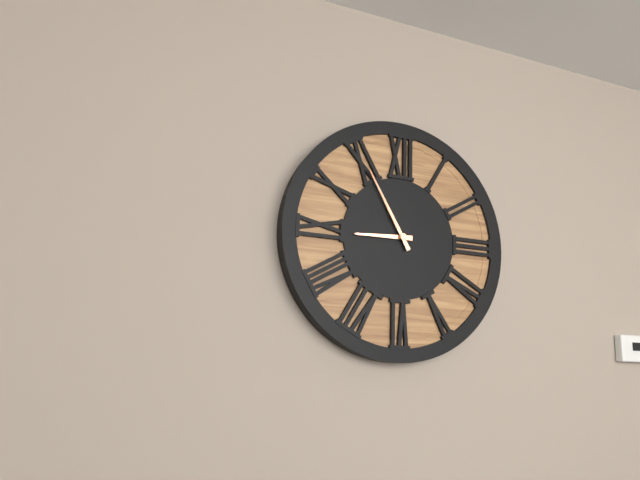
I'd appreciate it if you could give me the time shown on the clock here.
8:55
